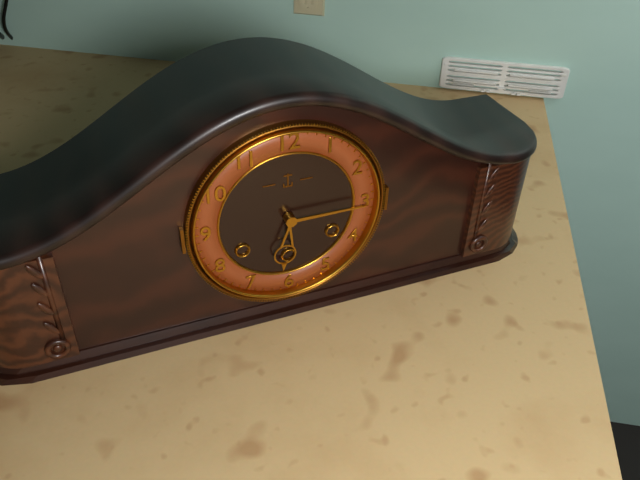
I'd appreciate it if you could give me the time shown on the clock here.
6:15
